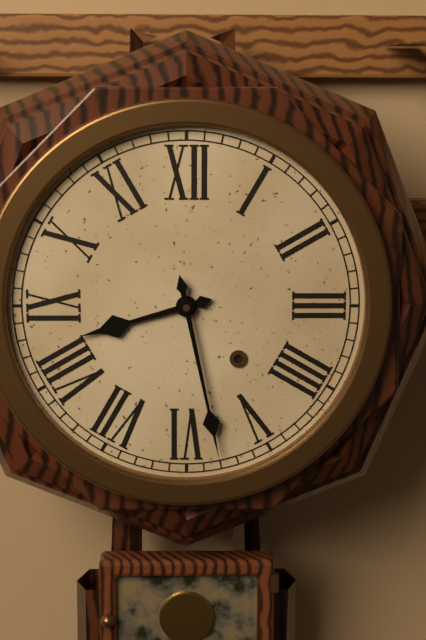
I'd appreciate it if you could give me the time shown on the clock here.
8:28
